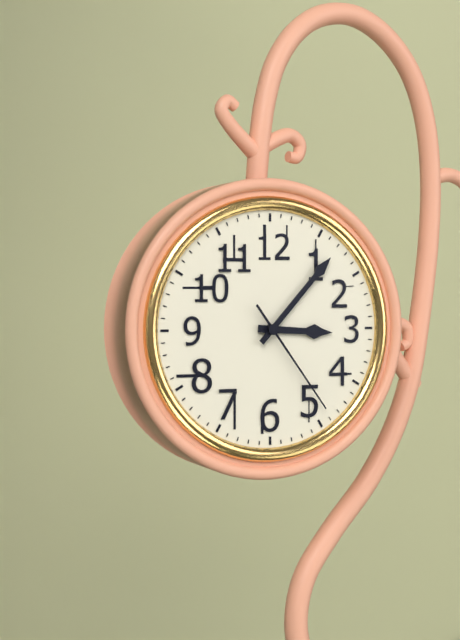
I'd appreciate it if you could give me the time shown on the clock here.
3:07:24
